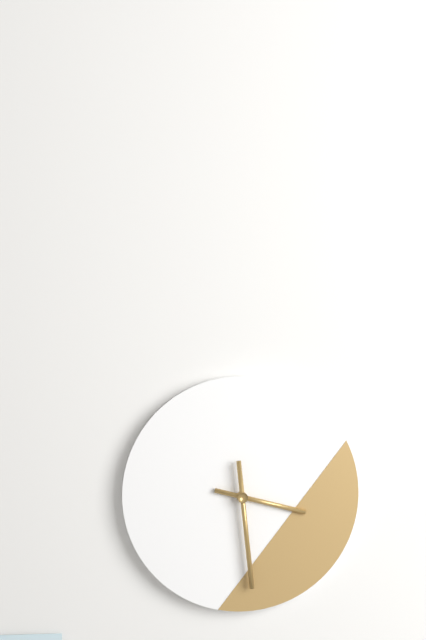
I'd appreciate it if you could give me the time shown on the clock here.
3:29
